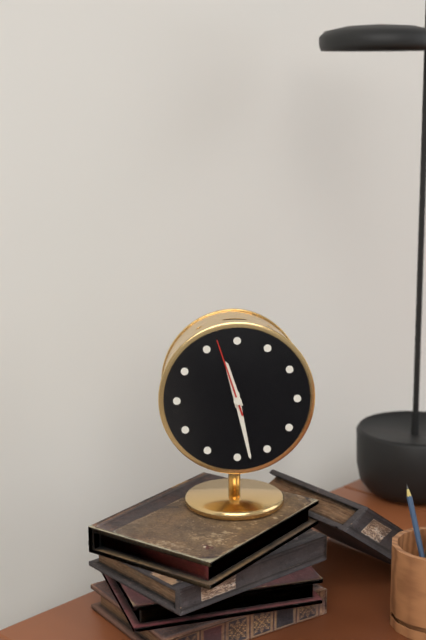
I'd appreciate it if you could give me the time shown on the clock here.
11:28:57
